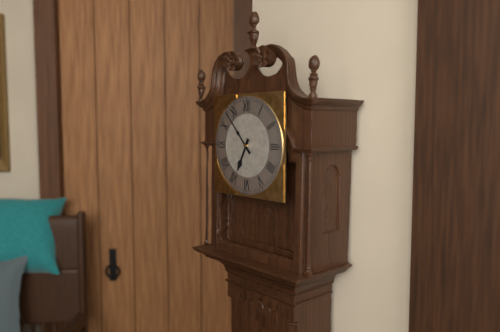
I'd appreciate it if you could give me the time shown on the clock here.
6:53
